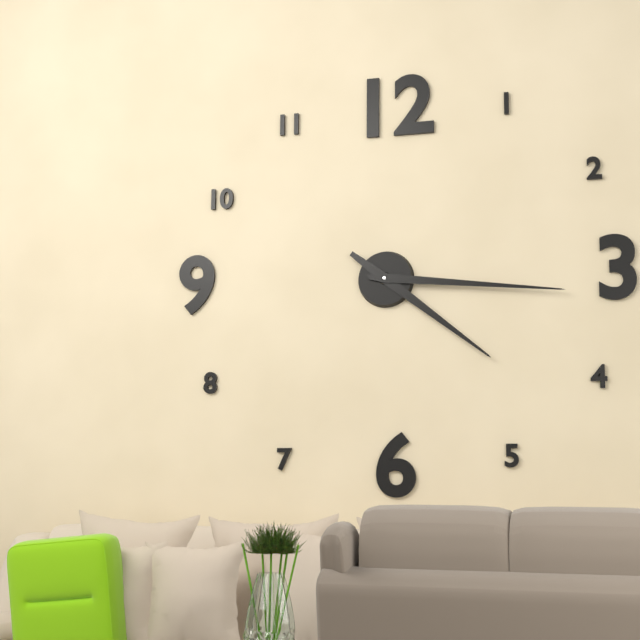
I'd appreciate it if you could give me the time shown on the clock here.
4:16
